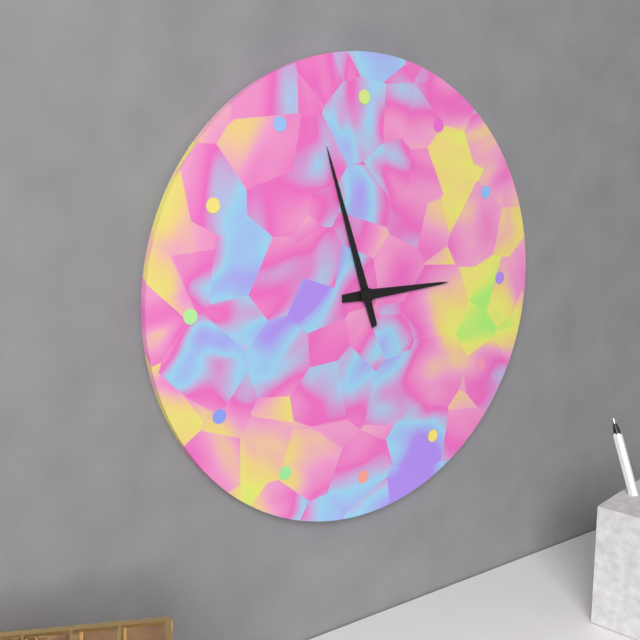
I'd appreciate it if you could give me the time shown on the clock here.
2:57
